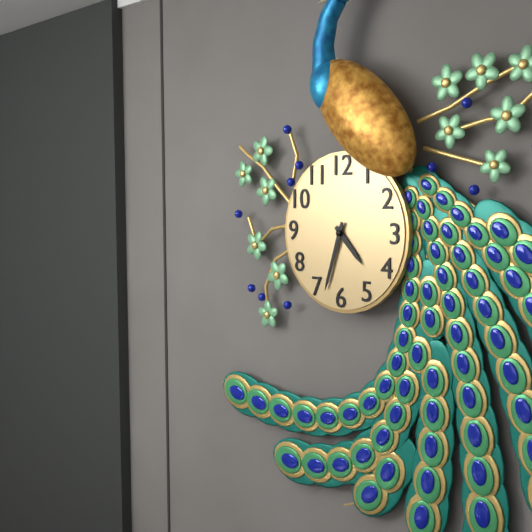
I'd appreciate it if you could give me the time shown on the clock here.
4:33
